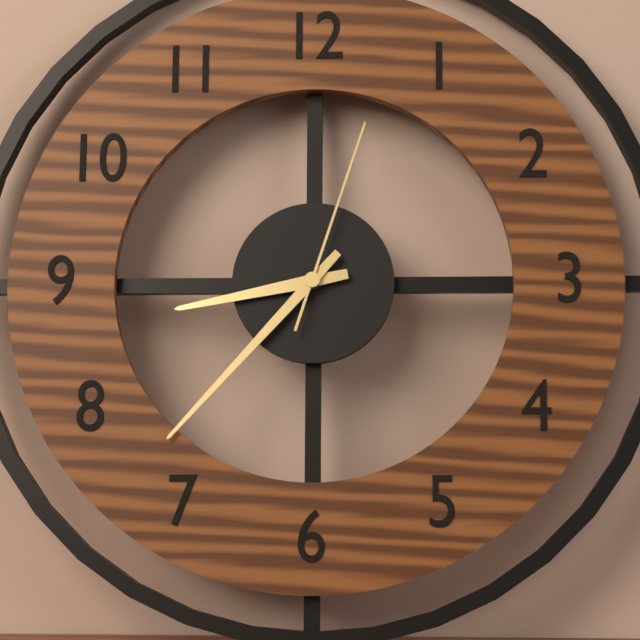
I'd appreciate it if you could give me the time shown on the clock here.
8:37:03
